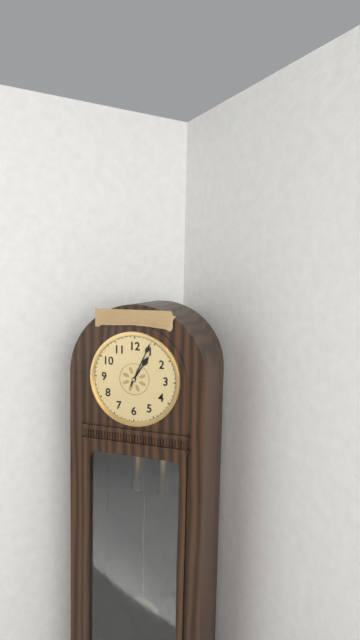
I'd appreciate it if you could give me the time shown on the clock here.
1:04
